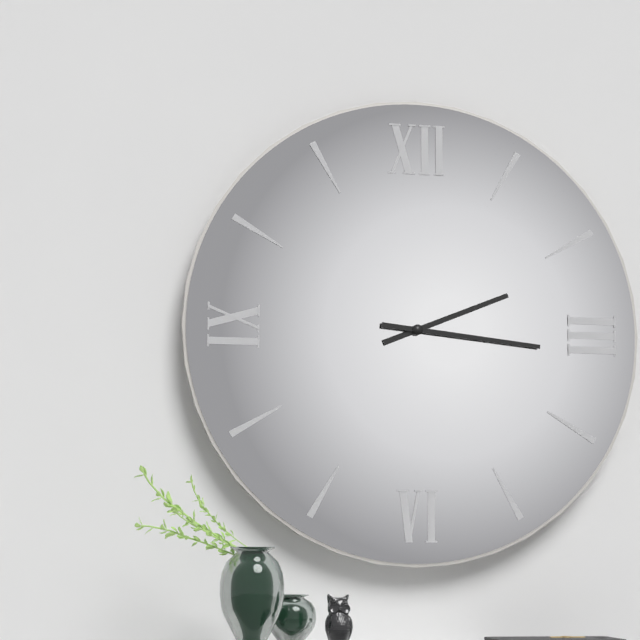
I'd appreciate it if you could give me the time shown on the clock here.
2:16
